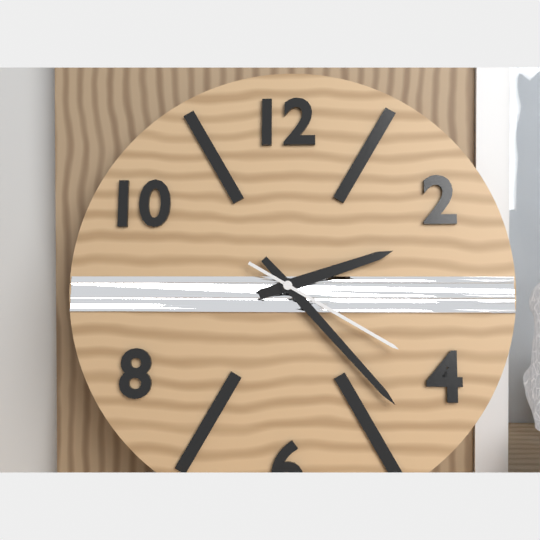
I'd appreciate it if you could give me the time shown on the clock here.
2:23:20
